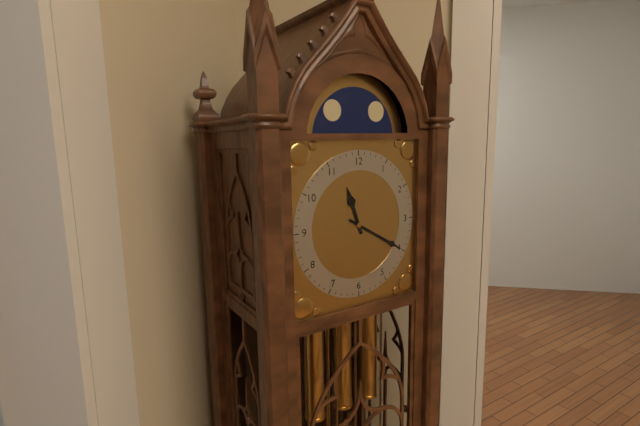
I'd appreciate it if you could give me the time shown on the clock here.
11:20
